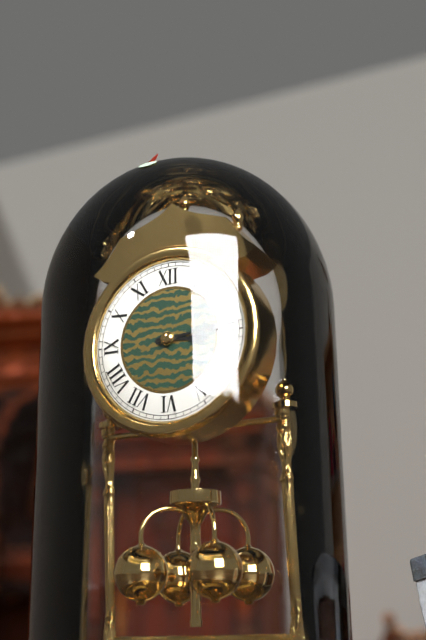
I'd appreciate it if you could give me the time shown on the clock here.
3:14
